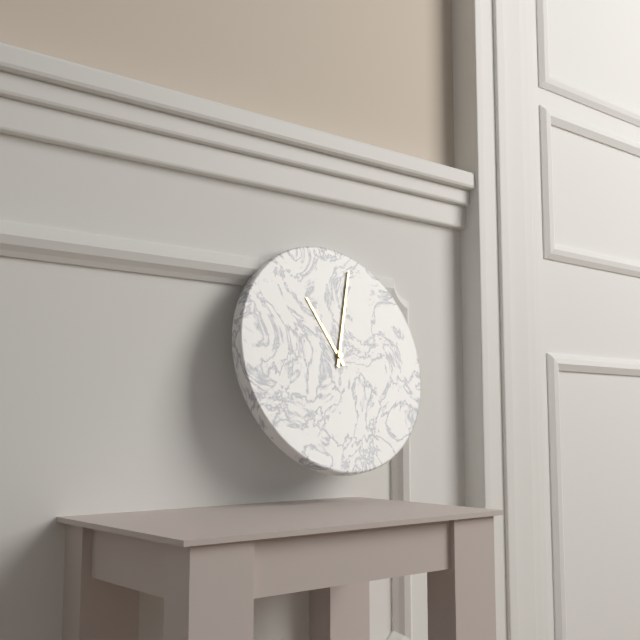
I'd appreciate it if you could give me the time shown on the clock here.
11:03
